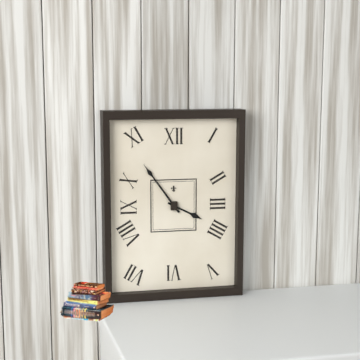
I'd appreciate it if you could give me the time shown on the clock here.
3:54
